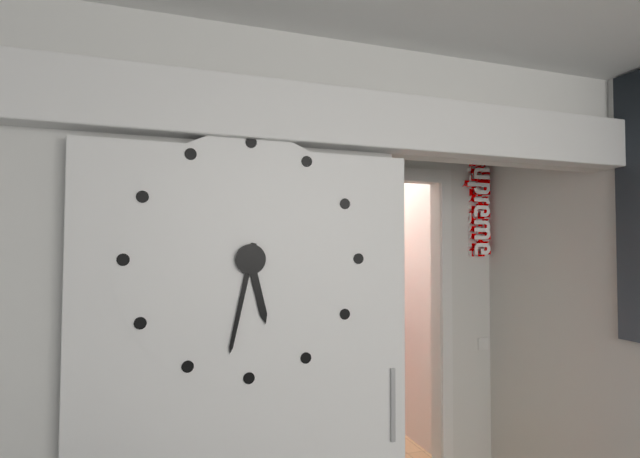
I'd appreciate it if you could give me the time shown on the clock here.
5:32
